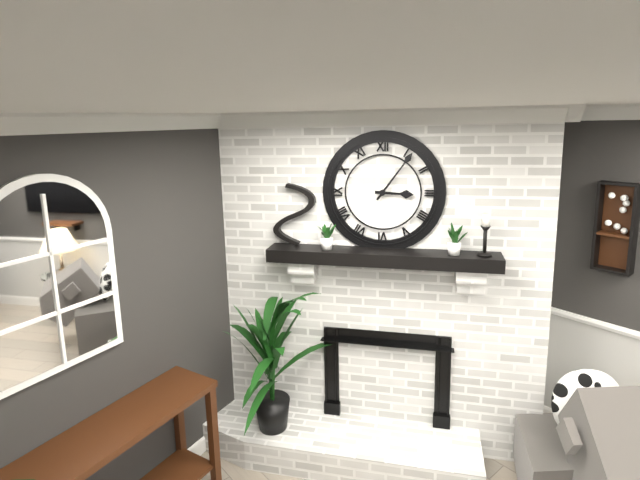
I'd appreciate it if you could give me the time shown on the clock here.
3:06
